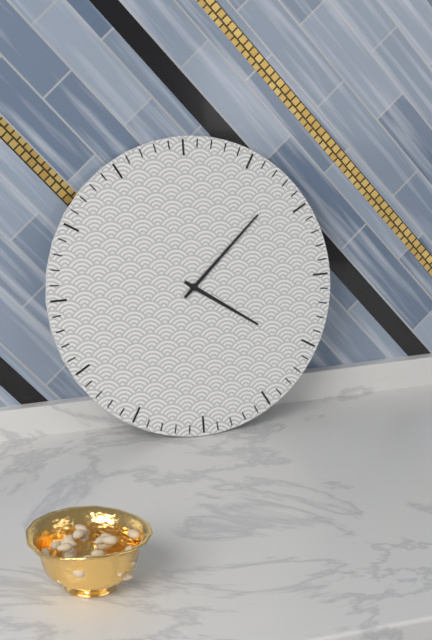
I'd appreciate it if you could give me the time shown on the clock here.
4:08
